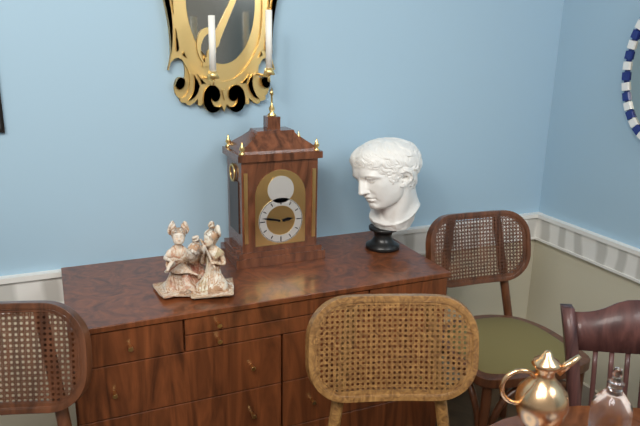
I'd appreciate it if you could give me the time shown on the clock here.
2:47
